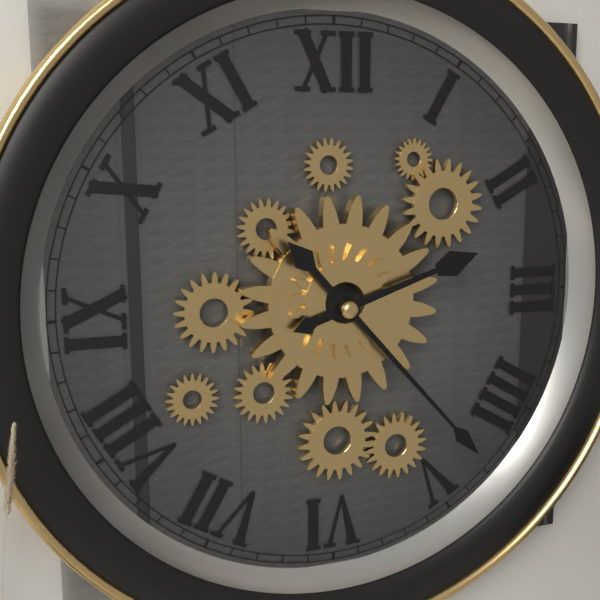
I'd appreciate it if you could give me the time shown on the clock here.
2:23
